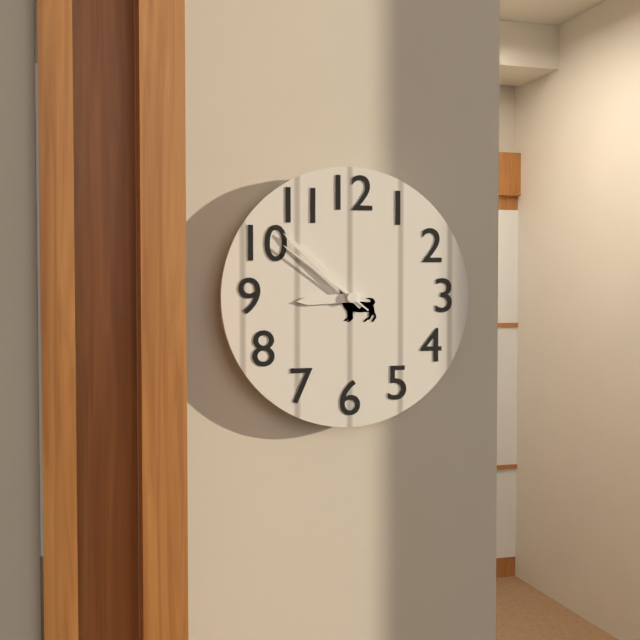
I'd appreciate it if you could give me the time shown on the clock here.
8:52:51
